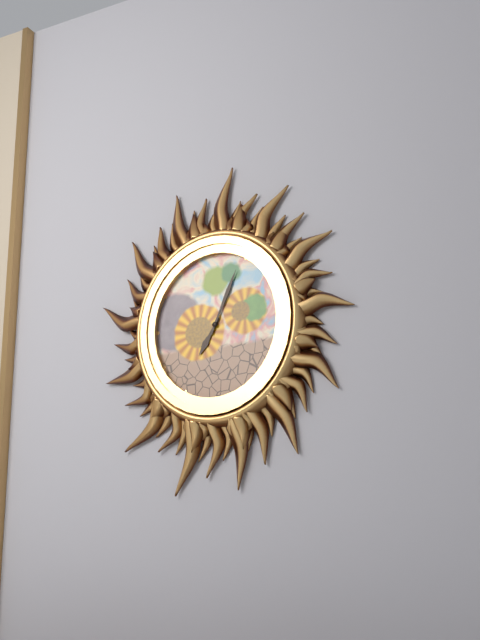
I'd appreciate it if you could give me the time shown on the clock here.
7:04
